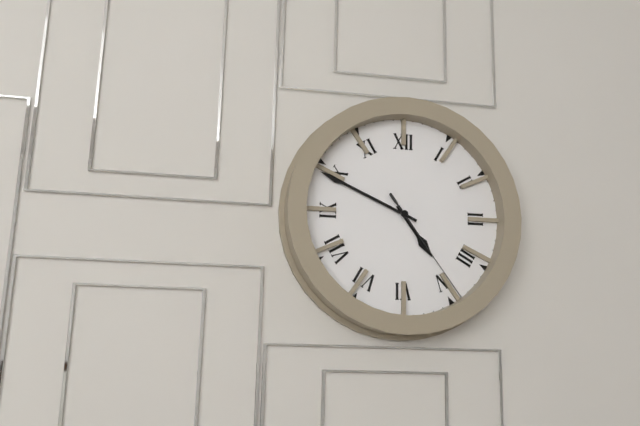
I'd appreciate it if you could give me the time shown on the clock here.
4:49:24
